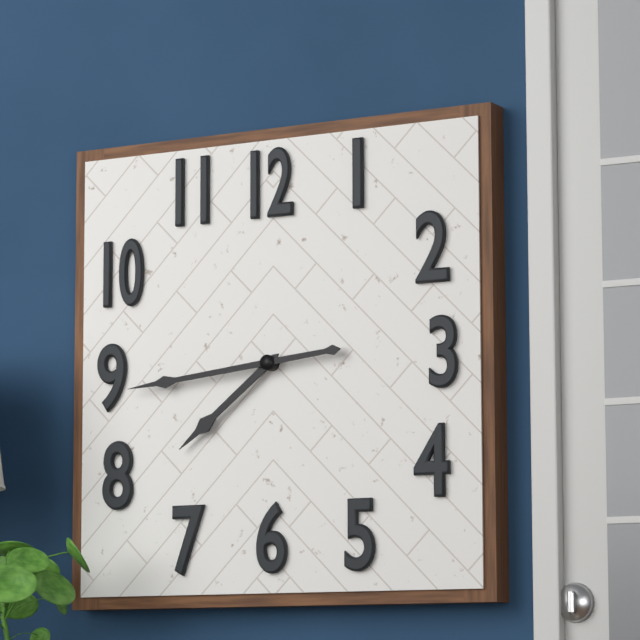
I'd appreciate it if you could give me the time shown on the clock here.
7:44
